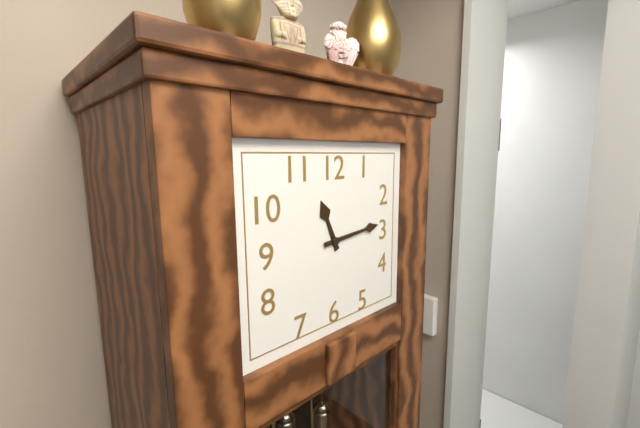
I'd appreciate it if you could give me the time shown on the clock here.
11:14
